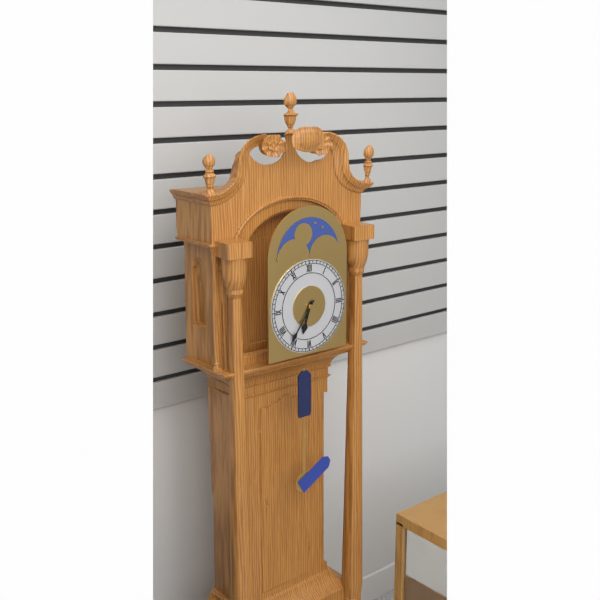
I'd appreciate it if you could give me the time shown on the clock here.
6:36
